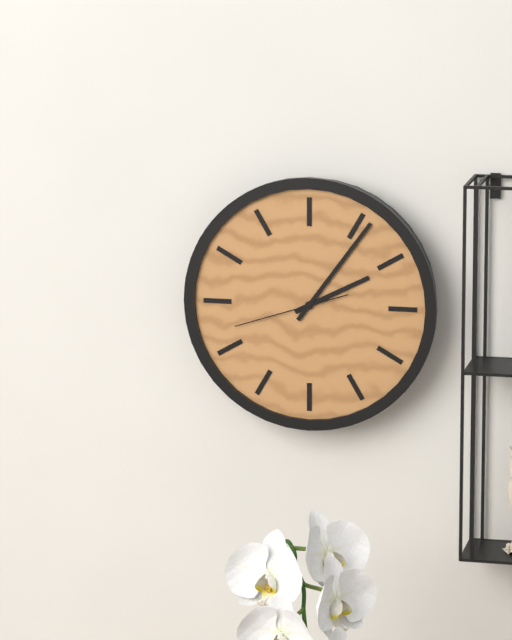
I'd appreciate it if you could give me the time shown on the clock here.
2:06:42
